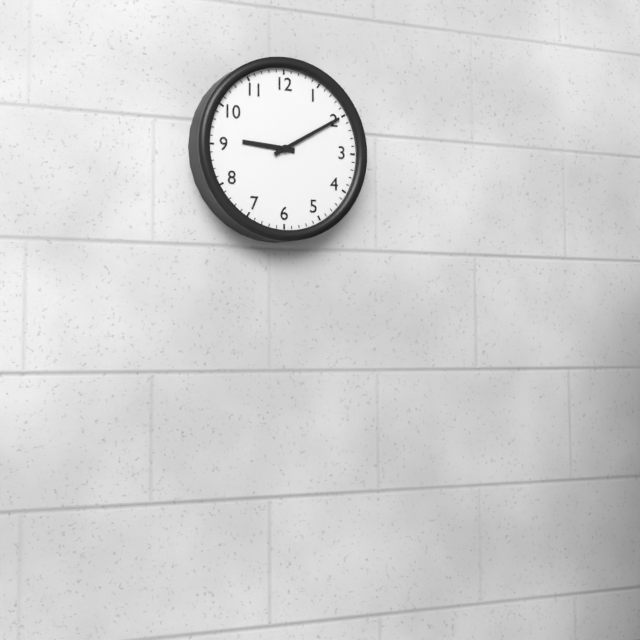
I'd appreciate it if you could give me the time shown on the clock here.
9:10
